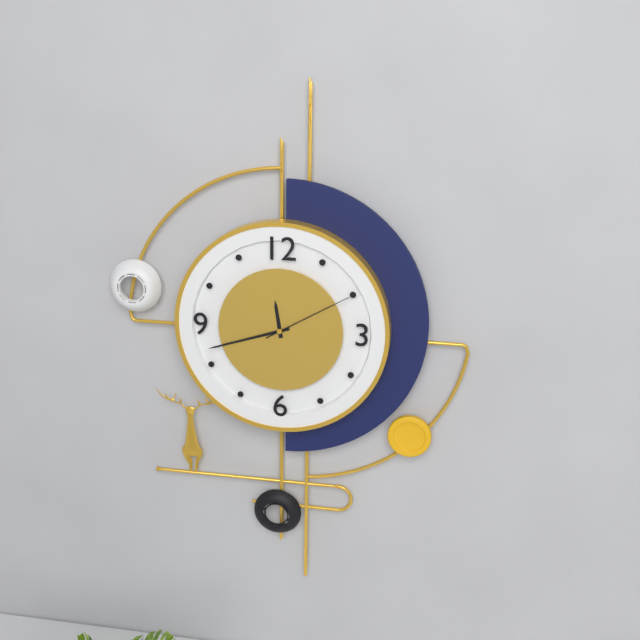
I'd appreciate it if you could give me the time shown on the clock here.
11:42:10
